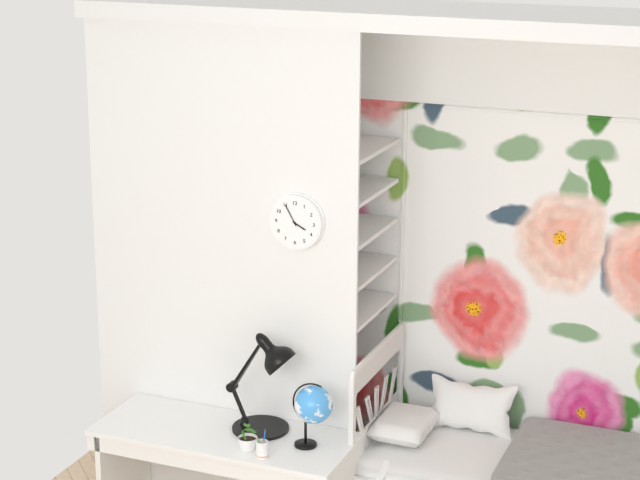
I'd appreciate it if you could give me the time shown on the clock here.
3:55
